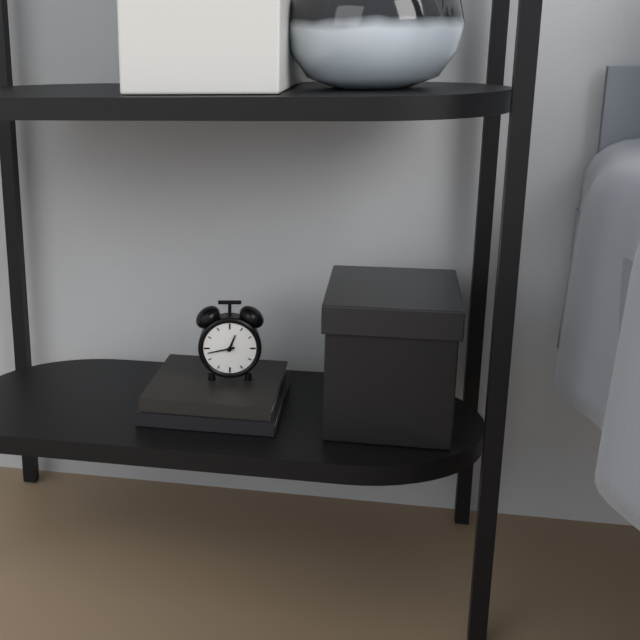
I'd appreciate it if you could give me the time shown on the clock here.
12:43
